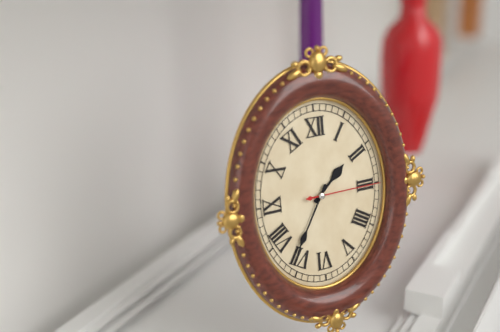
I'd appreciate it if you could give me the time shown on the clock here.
1:35:15
